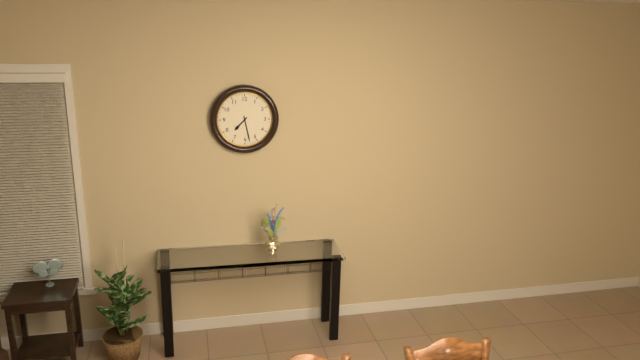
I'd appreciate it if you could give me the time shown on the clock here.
7:28
